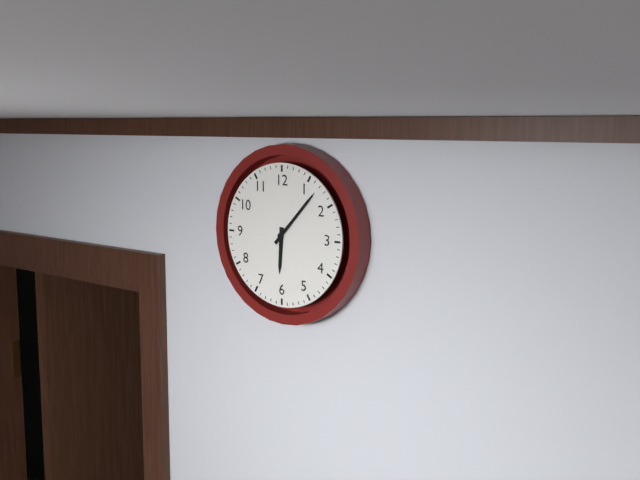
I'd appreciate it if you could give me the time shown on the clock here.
6:07
